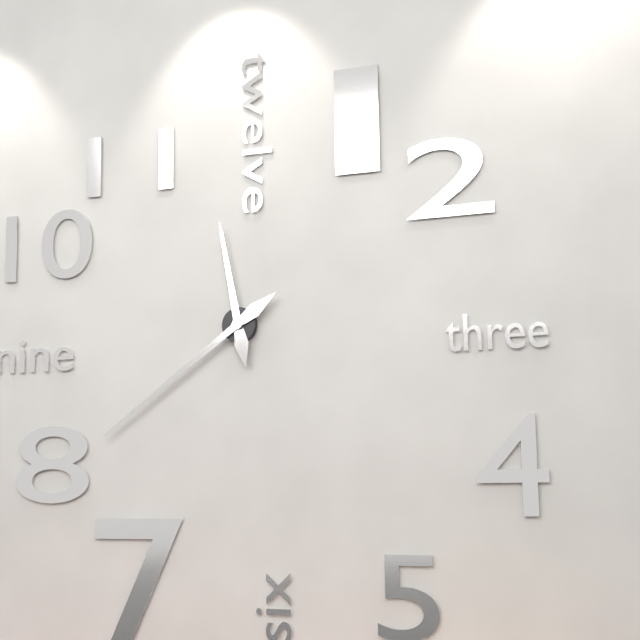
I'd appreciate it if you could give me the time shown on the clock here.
11:39
